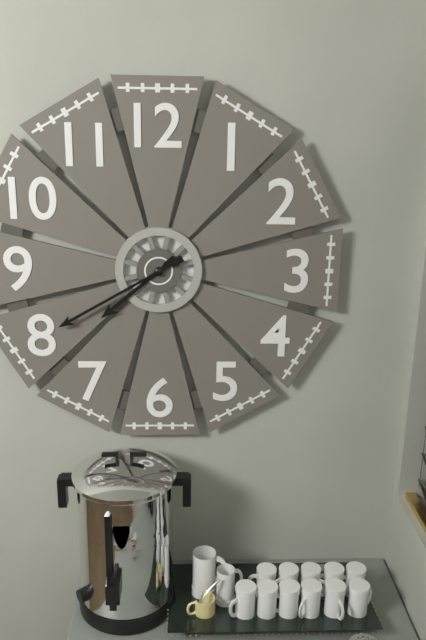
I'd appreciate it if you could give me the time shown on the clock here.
7:40
